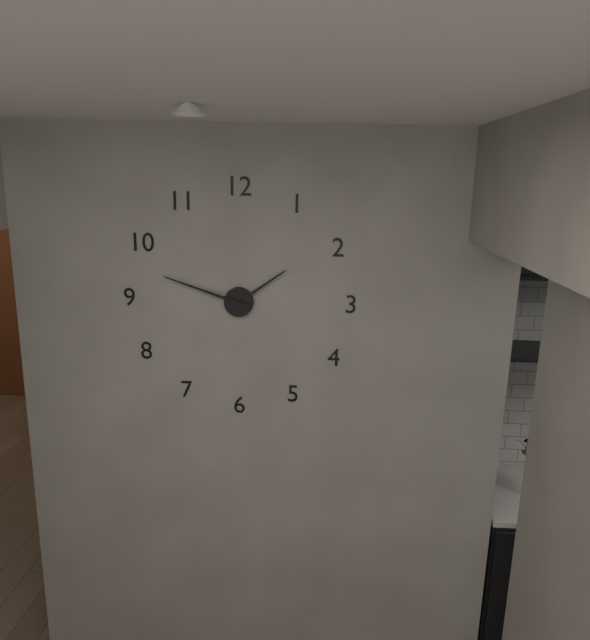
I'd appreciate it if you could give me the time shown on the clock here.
1:48
